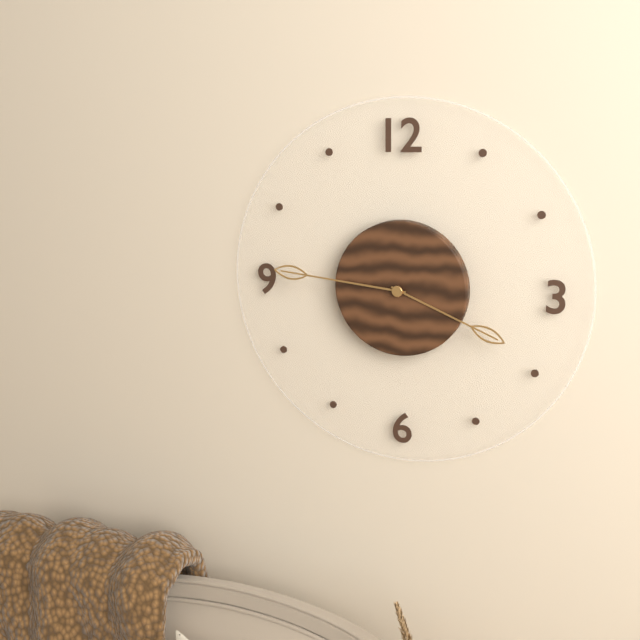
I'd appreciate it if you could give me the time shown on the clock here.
3:46
